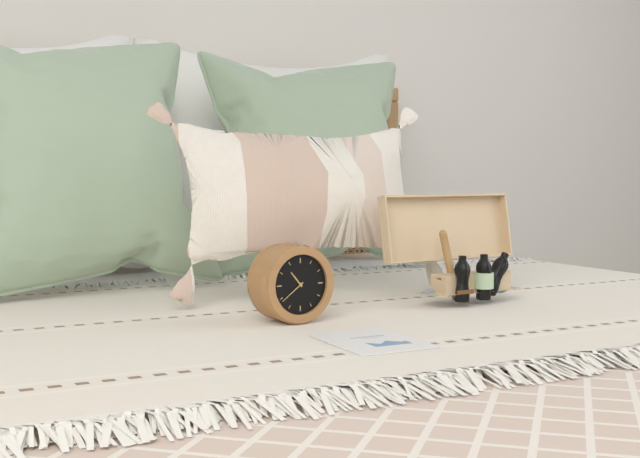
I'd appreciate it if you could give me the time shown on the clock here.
10:39
